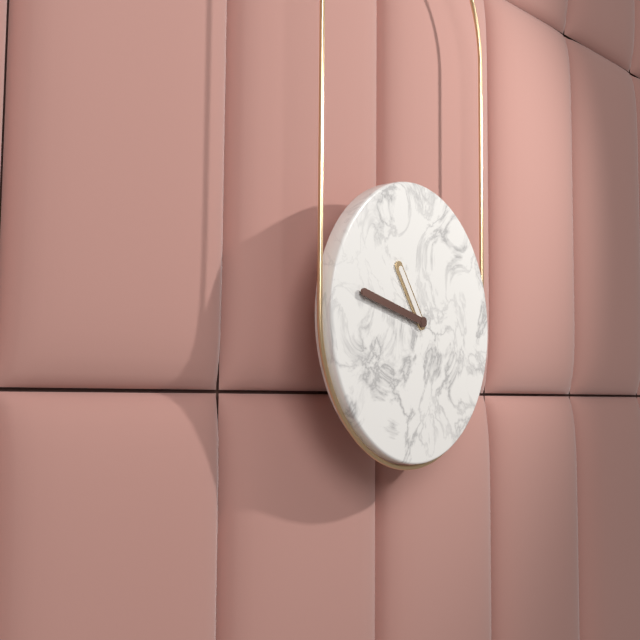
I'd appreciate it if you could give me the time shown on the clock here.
10:47
